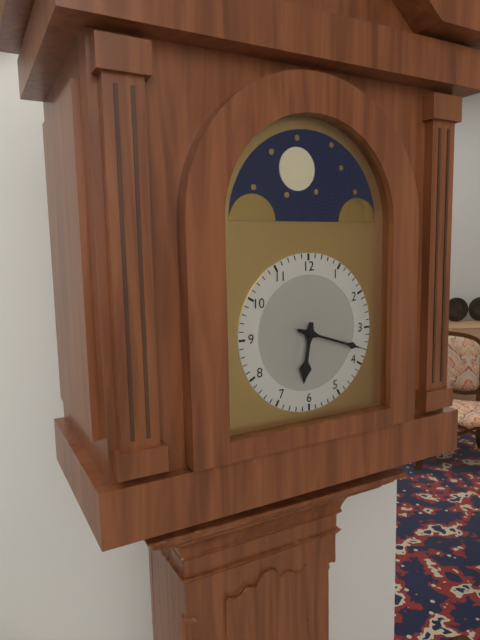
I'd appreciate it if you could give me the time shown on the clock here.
6:18
